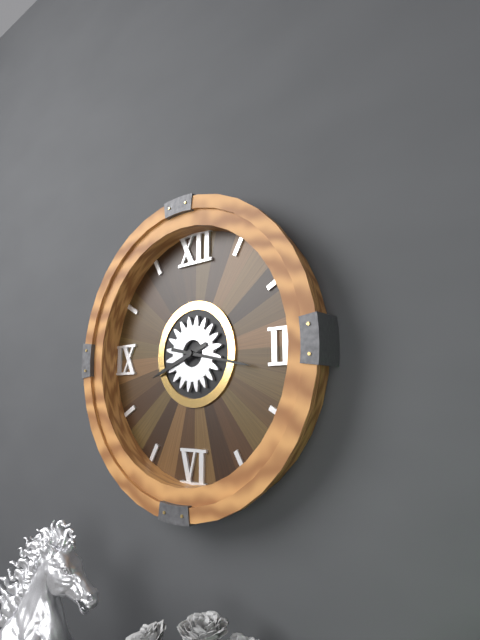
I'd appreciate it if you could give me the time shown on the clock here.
8:17
